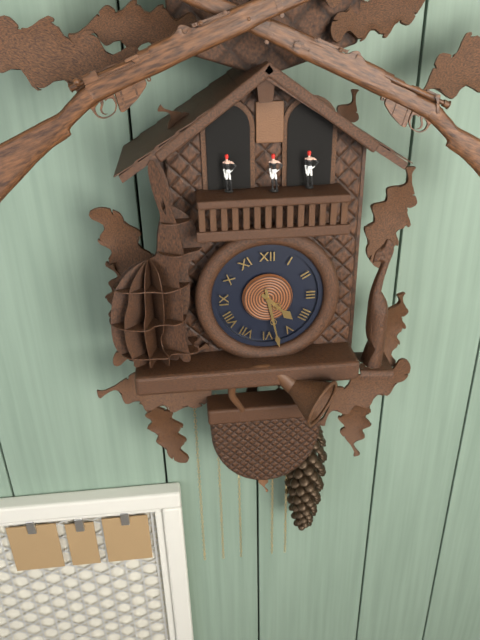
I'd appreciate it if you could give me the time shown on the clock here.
4:28
